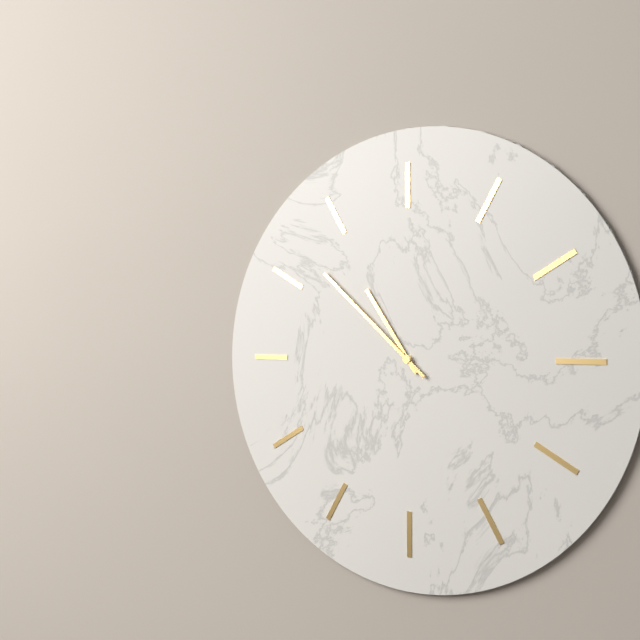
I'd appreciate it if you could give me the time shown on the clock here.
10:52
